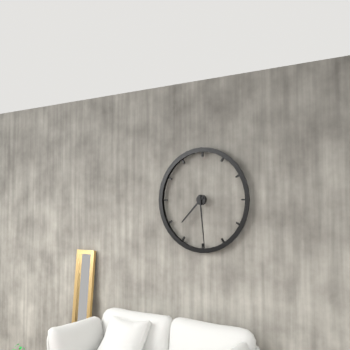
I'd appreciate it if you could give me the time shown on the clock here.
7:29
